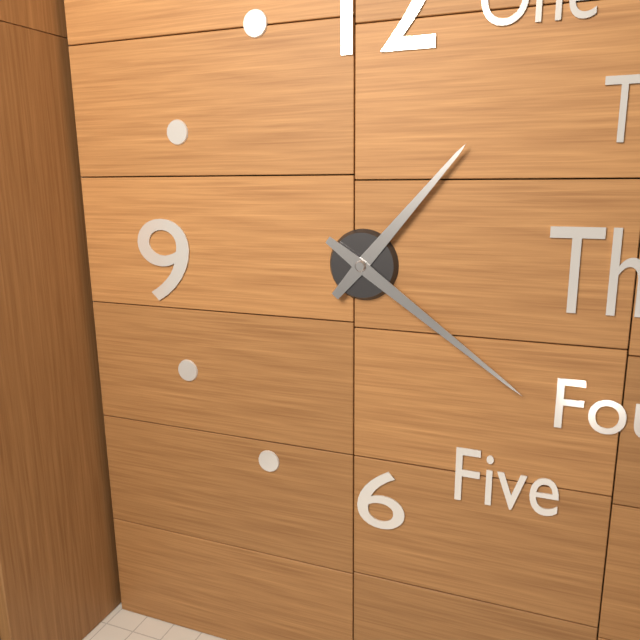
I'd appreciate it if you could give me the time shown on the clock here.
1:21
